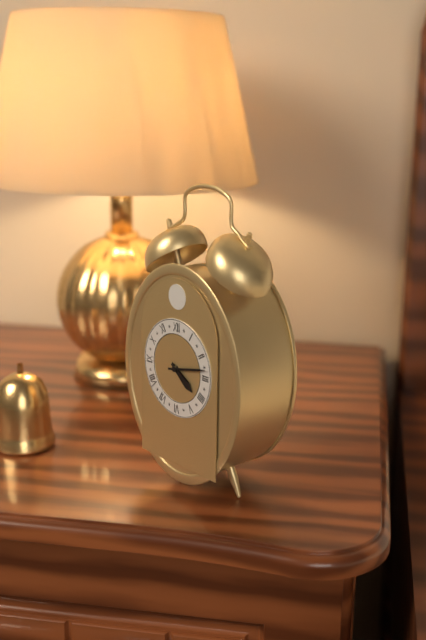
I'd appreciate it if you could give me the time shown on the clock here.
4:13
